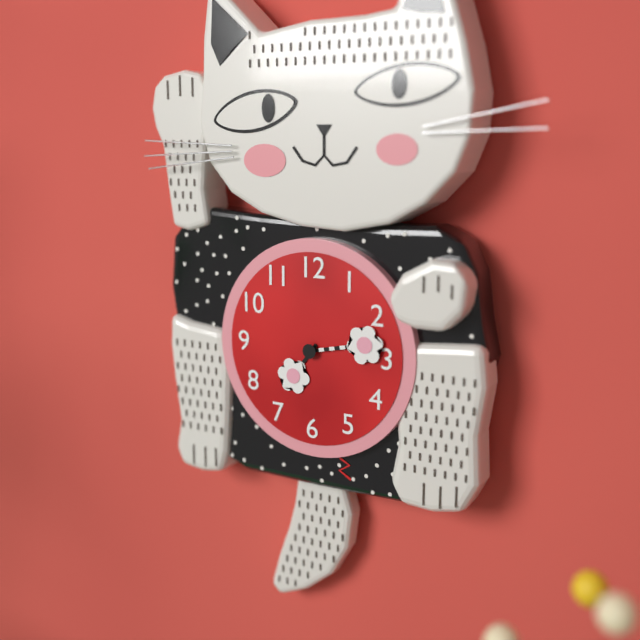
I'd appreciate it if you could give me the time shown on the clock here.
7:13
